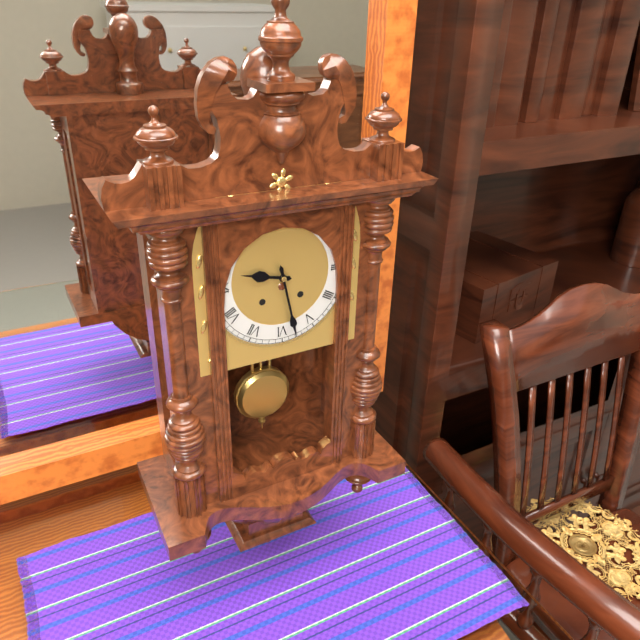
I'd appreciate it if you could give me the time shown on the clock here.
9:28
